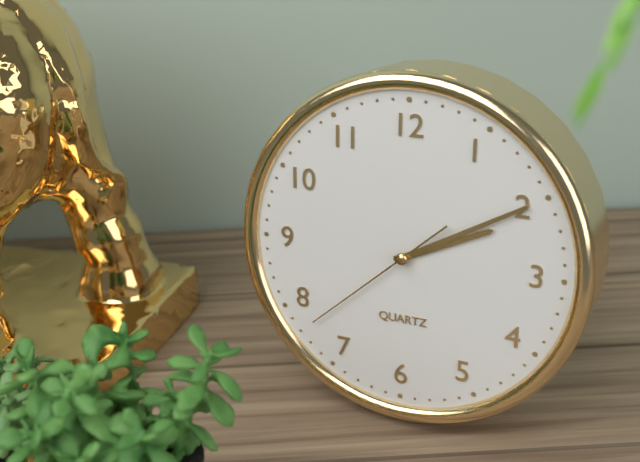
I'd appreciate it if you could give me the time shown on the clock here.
2:10:38
